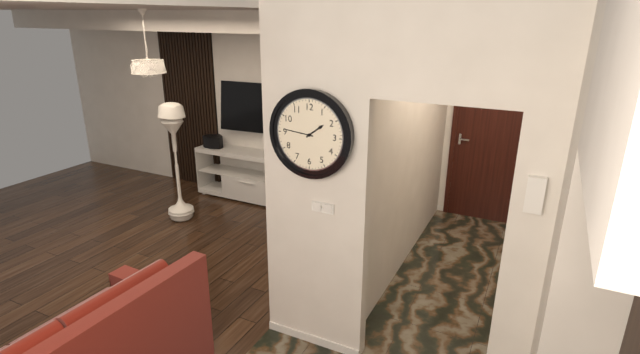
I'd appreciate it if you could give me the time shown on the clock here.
1:46
